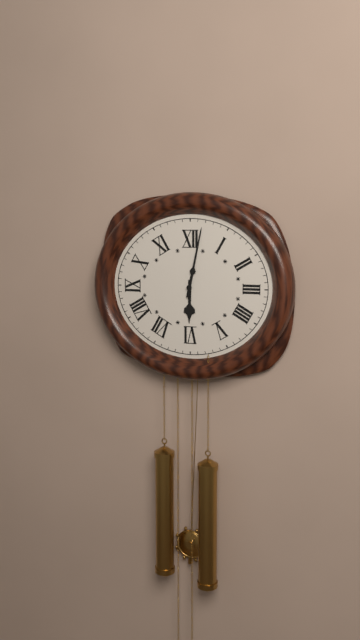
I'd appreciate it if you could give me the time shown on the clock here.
6:02
